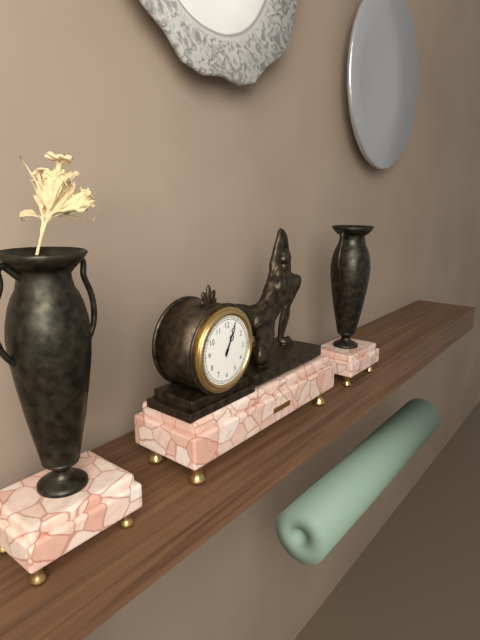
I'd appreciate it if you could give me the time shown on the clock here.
1:04
